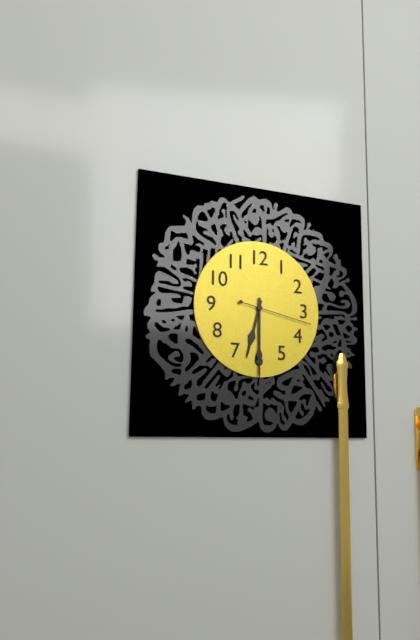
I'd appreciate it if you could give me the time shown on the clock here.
6:30:17
